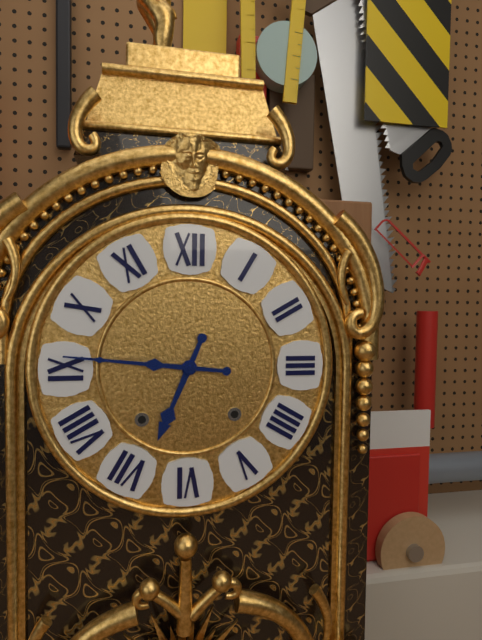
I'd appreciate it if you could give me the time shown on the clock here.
6:46
